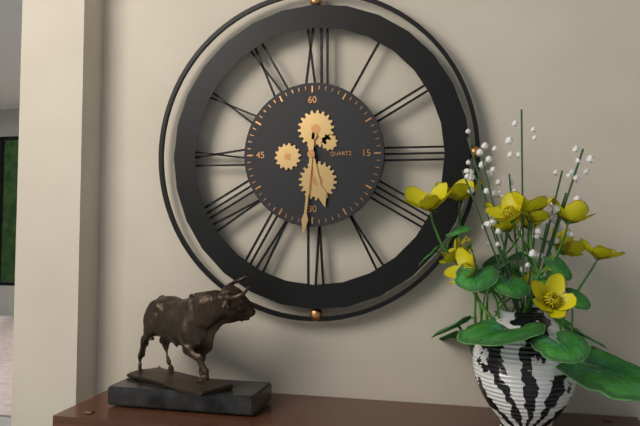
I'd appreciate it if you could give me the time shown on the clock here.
5:31
